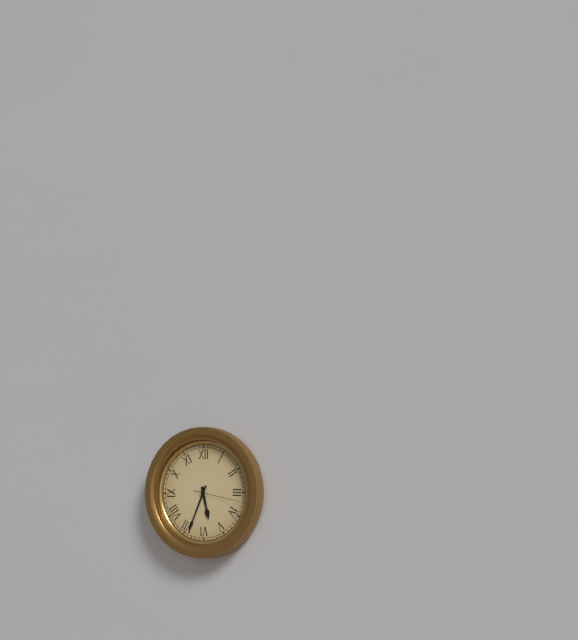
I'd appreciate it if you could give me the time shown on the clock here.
5:34
